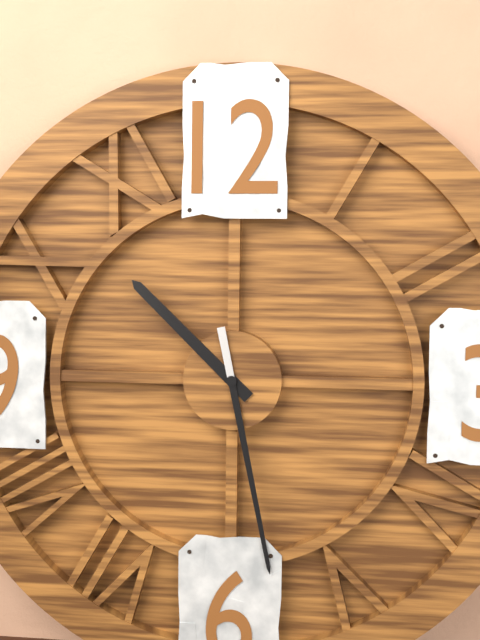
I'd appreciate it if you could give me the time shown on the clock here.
10:28
